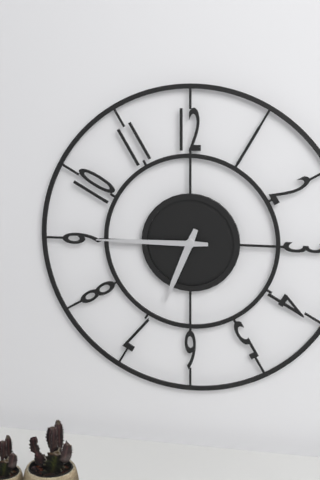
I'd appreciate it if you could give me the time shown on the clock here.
6:45
